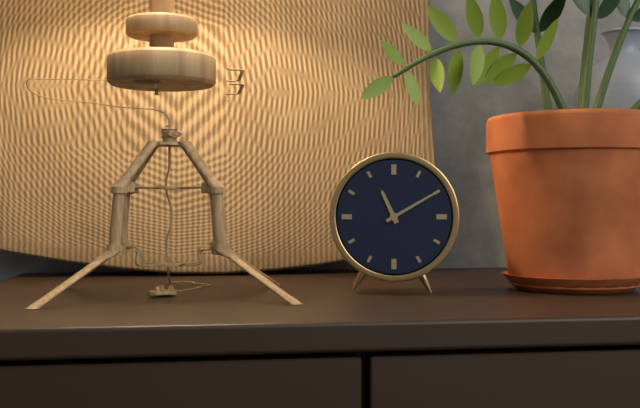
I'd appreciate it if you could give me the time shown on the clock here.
11:10
